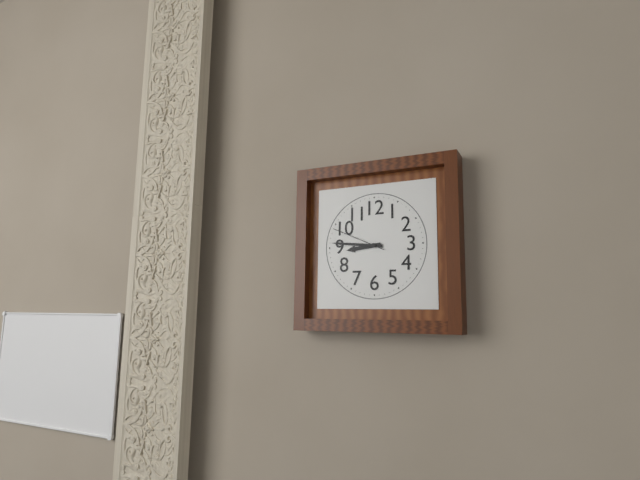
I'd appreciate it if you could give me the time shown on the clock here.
8:46:49
